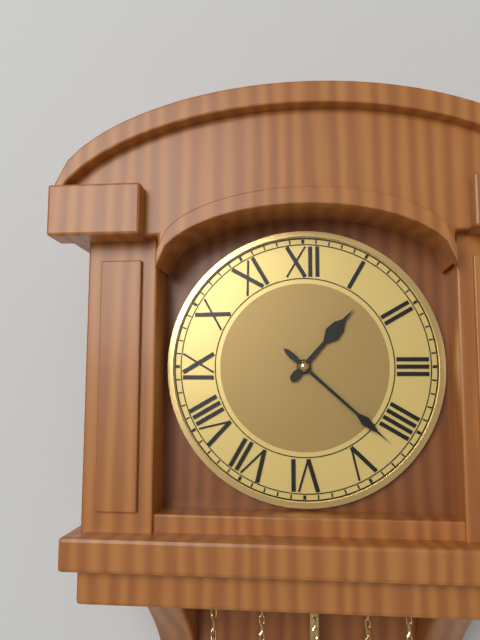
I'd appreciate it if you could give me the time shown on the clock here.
1:22
